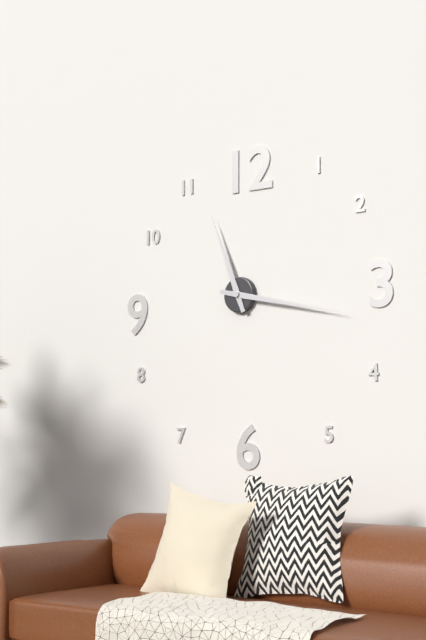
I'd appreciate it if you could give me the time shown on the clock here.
11:17
